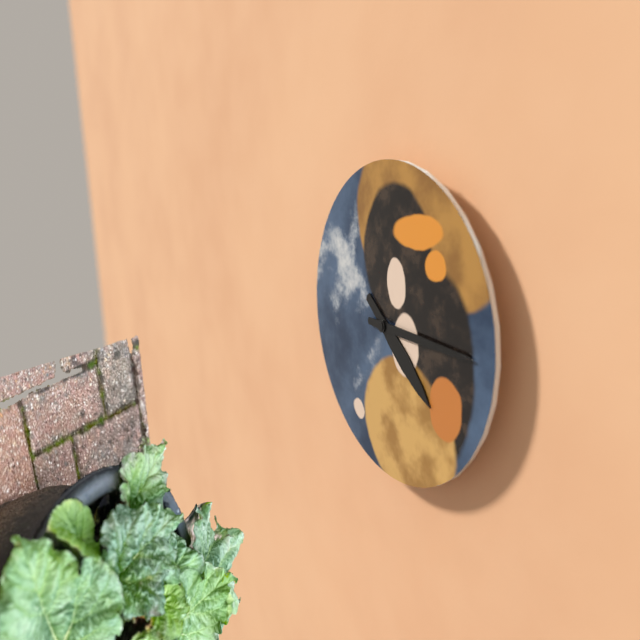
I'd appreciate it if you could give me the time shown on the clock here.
4:15
